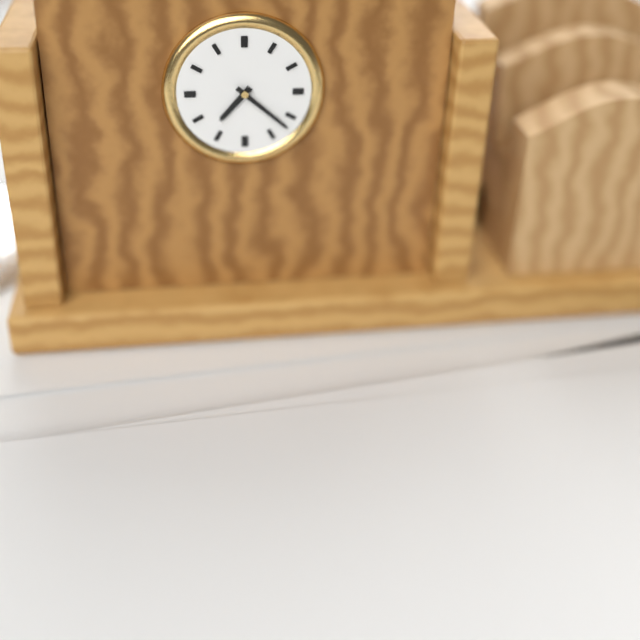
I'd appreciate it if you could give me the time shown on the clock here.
7:22
